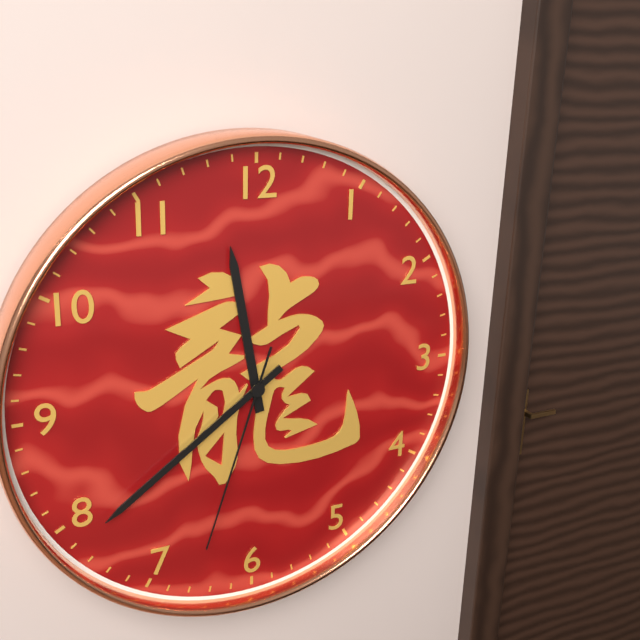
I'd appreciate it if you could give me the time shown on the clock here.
11:39:33
